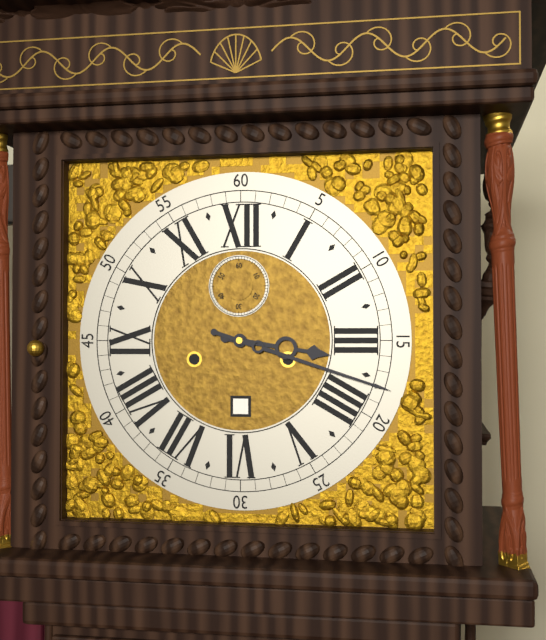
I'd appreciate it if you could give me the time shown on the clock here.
3:18
